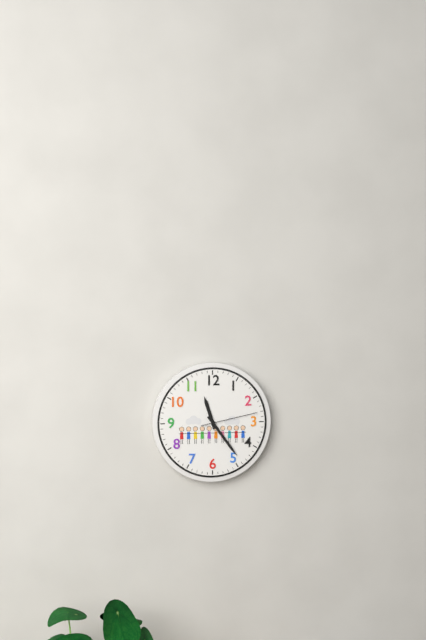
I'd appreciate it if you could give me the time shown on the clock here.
11:24:13
